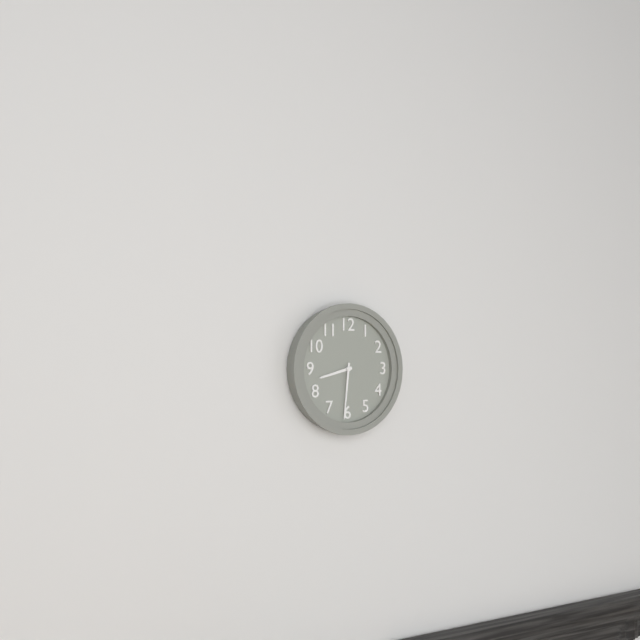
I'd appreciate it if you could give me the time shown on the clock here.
8:31
